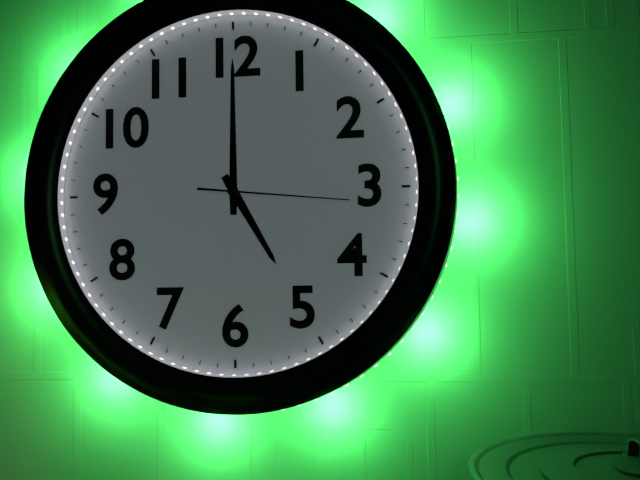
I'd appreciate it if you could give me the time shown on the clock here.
5:00:16
